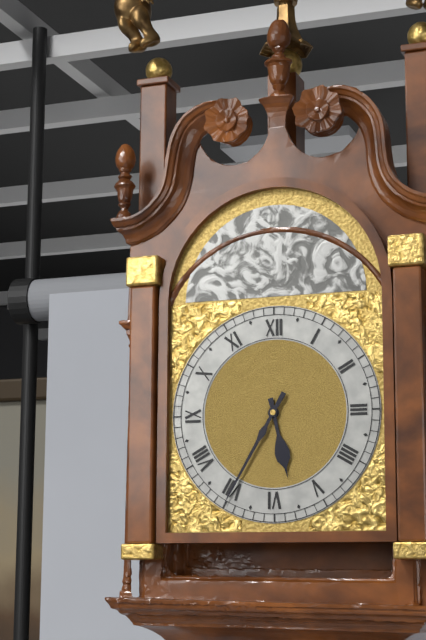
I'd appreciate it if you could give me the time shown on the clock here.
5:35
